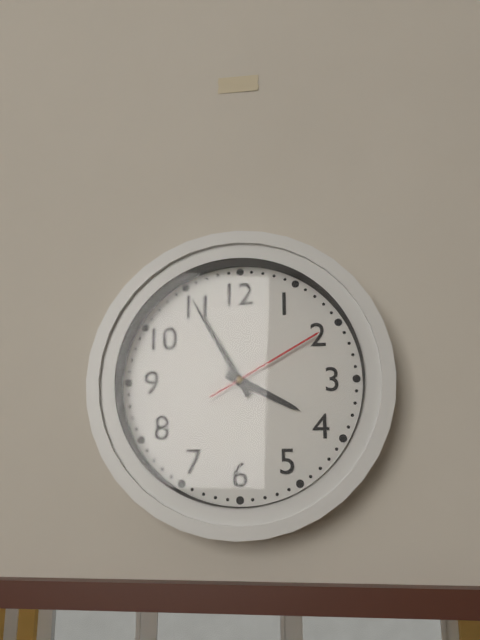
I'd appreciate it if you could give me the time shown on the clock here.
3:55:10
